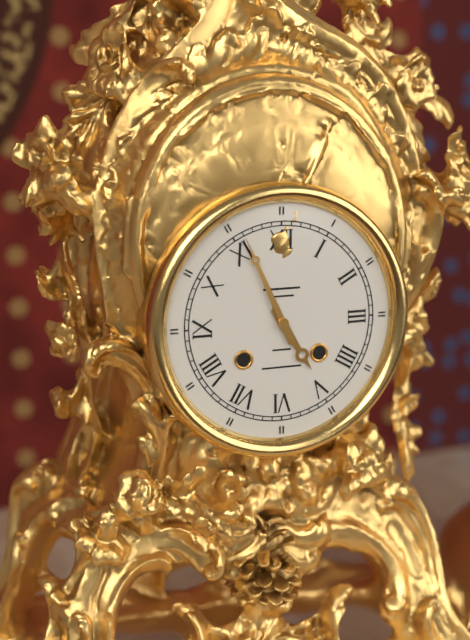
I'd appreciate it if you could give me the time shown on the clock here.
4:56
